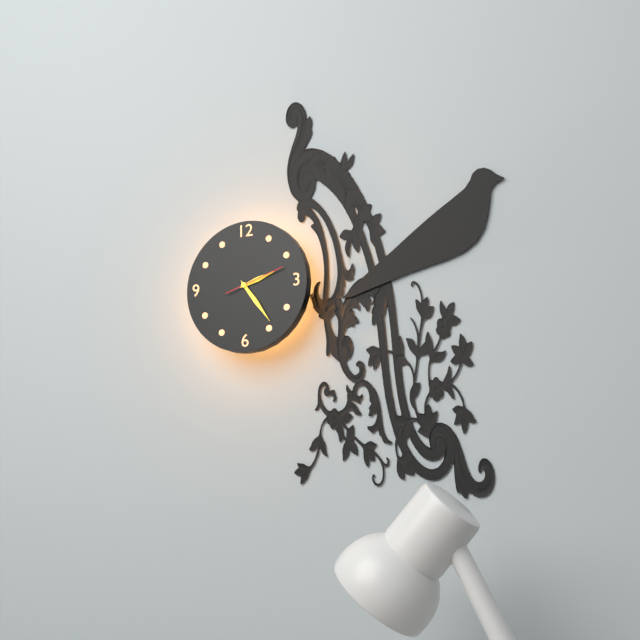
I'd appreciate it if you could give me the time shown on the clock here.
2:24
